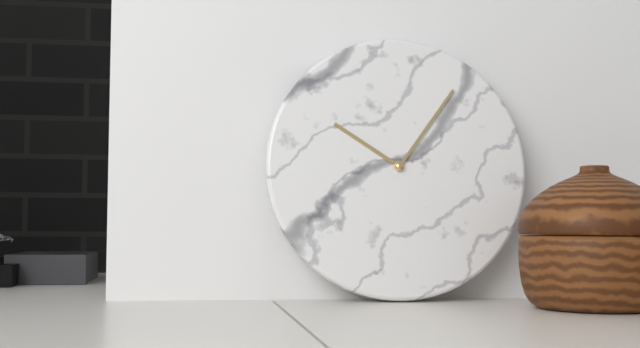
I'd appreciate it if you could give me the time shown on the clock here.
10:06
